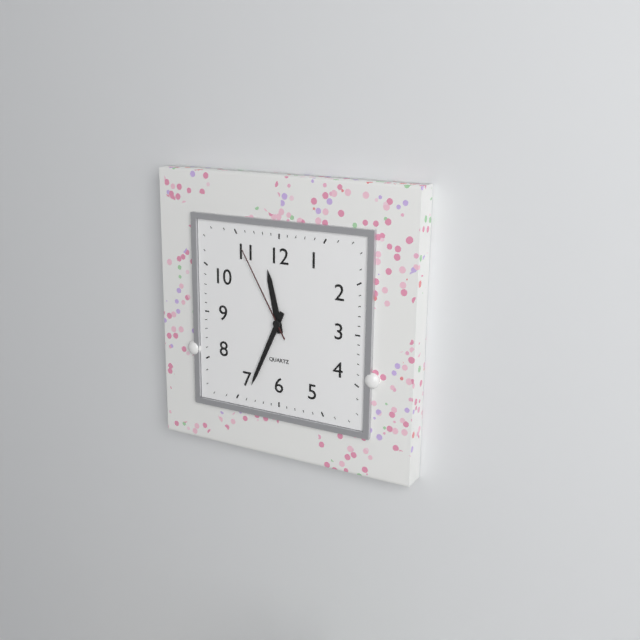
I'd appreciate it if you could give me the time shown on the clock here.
11:34:55
